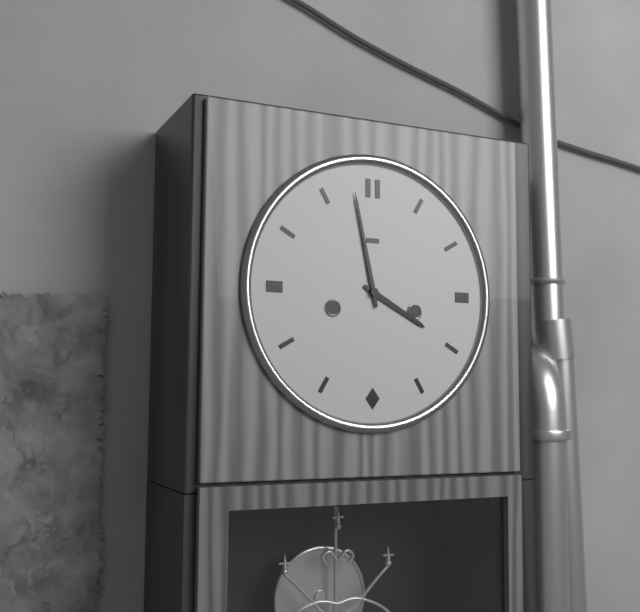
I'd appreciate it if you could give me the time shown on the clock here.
3:58
